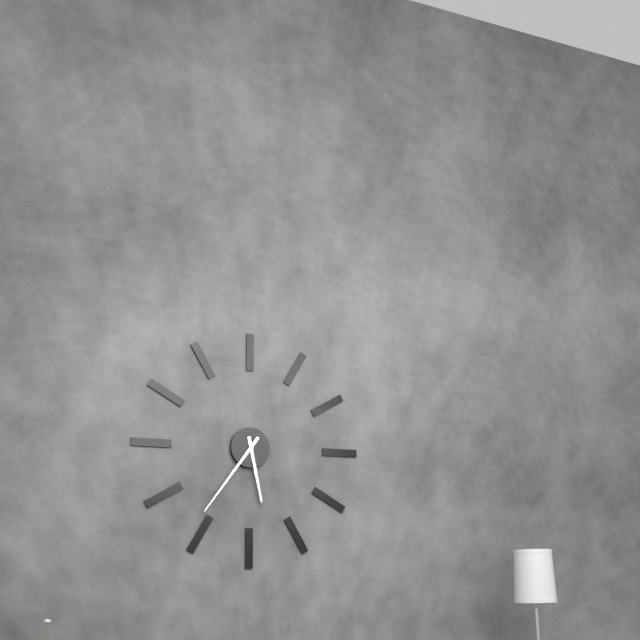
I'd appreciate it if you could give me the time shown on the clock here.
5:36
